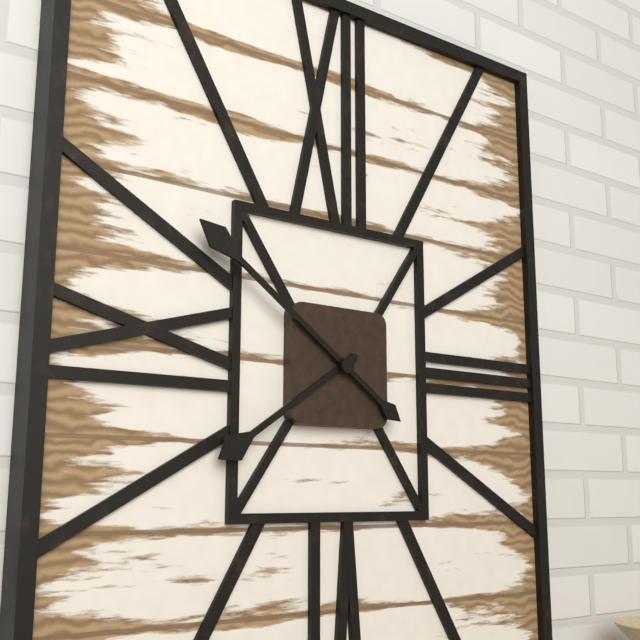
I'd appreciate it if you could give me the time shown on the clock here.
7:51
